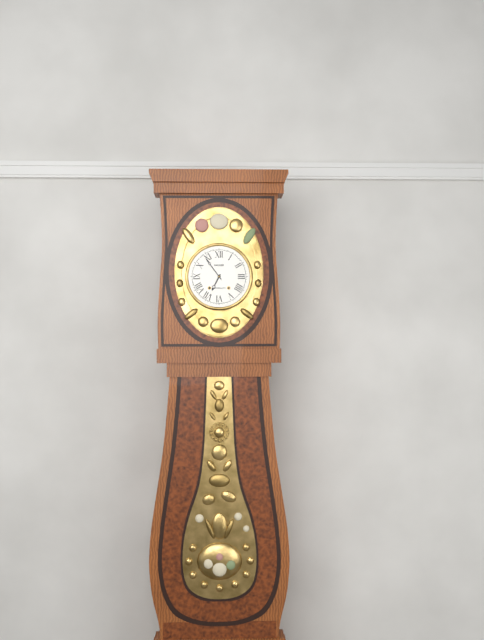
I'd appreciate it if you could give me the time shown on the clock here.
6:54
